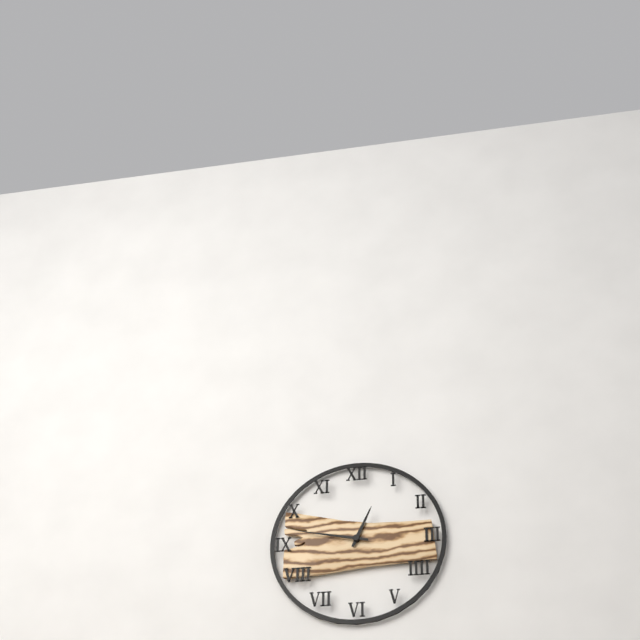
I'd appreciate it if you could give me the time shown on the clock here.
12:47
